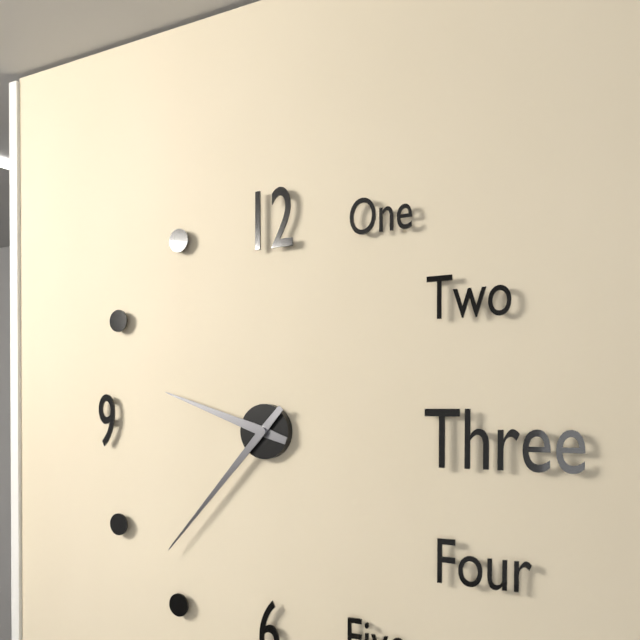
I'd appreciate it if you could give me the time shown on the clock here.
9:37
